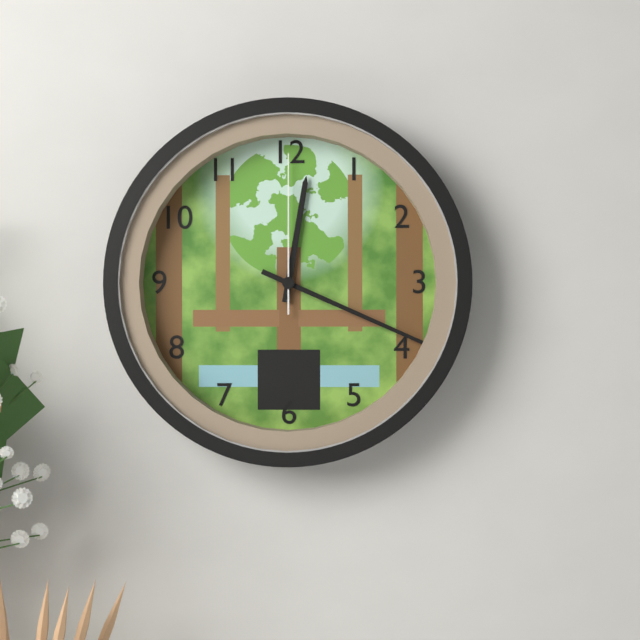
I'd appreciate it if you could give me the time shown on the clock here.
12:19:00
